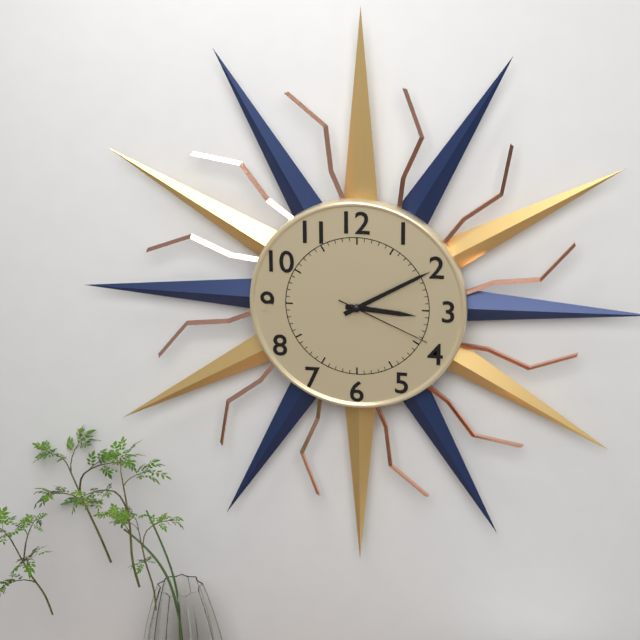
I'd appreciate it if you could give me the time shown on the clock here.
3:10:19
